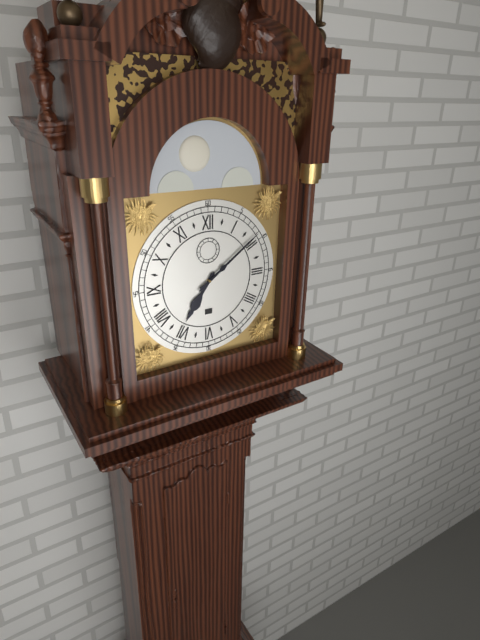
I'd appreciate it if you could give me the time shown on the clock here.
7:09
